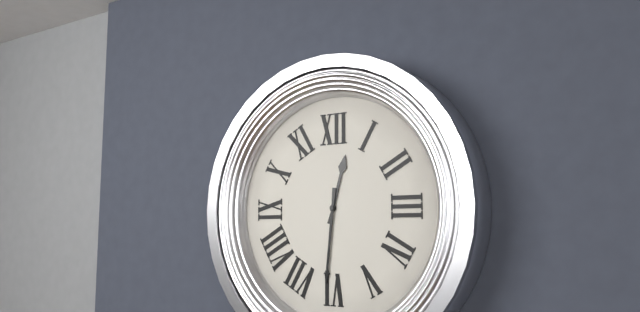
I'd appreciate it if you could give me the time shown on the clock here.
12:31
